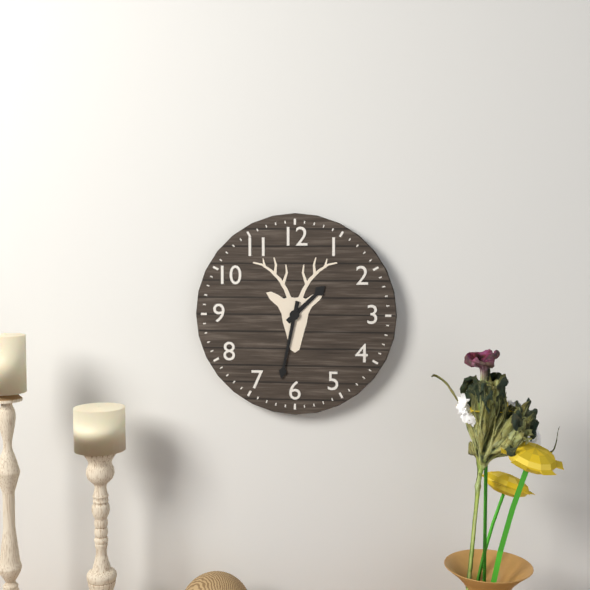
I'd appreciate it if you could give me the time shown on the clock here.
1:32
